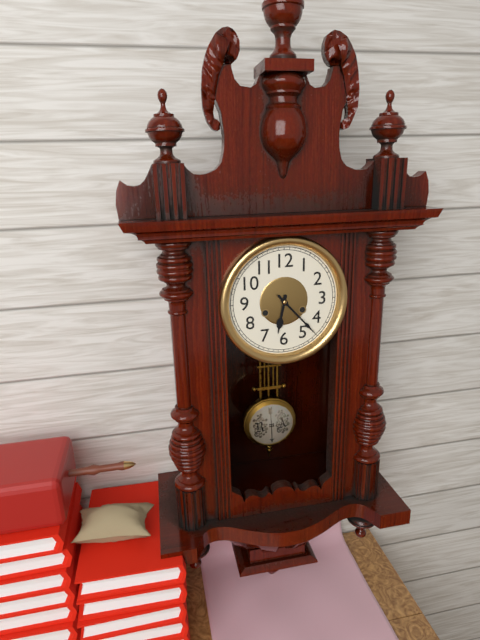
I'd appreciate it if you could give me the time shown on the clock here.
6:23
